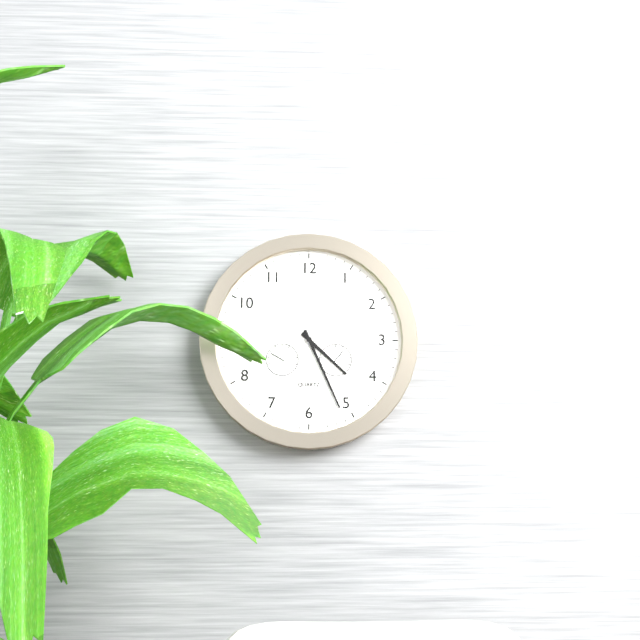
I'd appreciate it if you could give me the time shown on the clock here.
4:26:01
